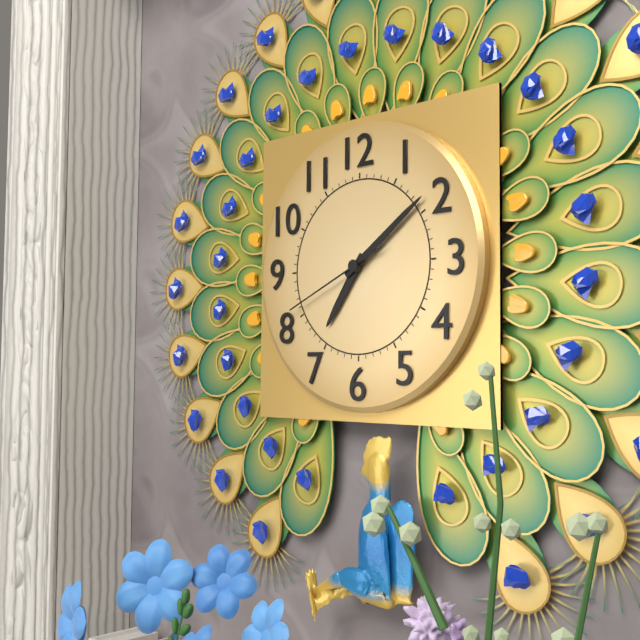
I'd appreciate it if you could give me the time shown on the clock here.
7:09:41
